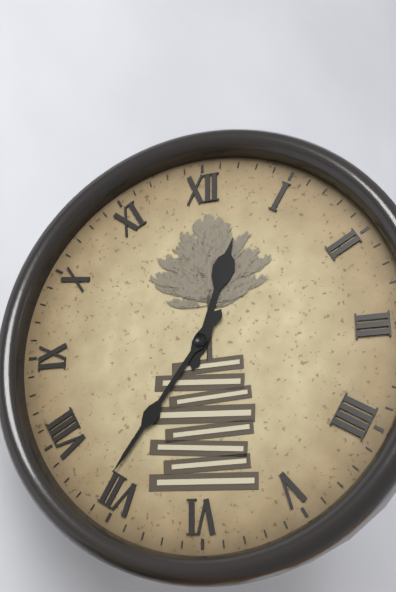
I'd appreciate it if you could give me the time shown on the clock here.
12:36
